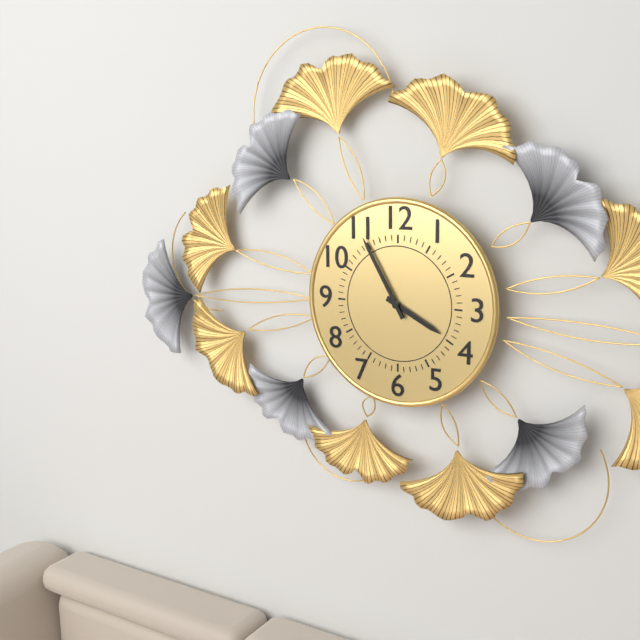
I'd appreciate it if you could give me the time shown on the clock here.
3:55
